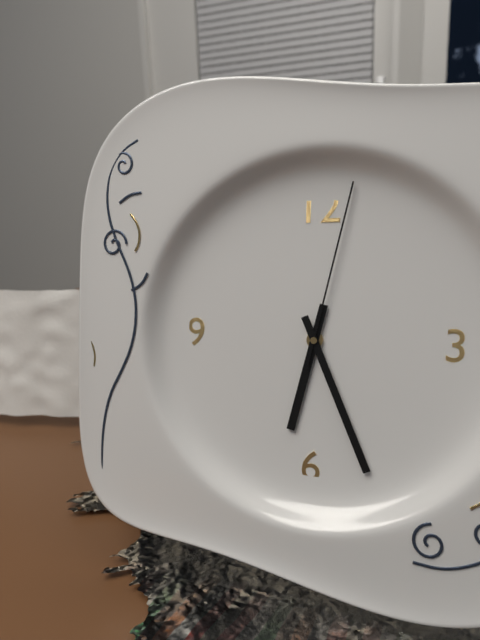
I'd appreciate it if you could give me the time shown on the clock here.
6:26:02
